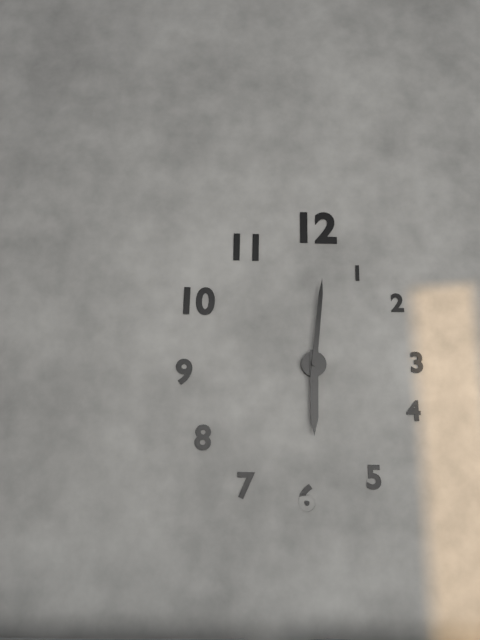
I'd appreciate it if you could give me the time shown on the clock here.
6:01
